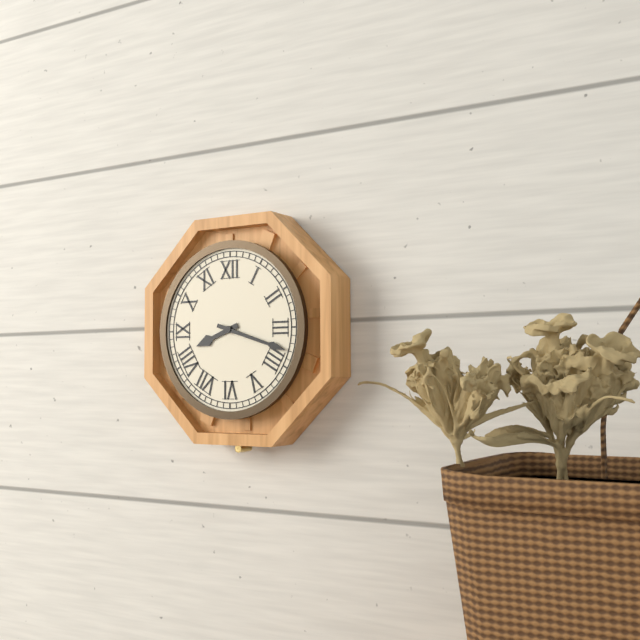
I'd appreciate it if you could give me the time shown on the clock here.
8:18
